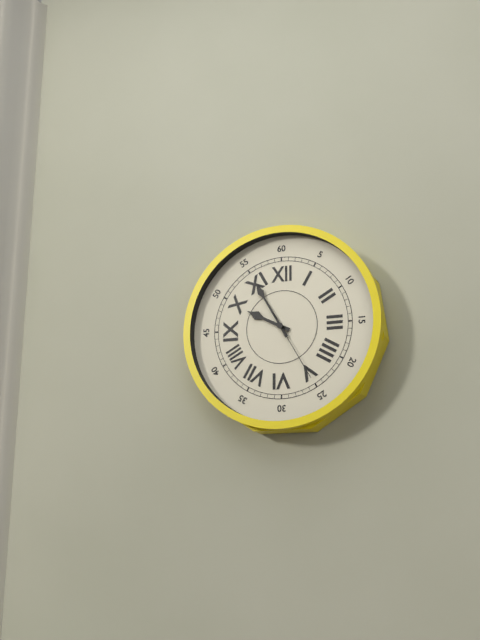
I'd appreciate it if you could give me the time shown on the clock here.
9:55:25
